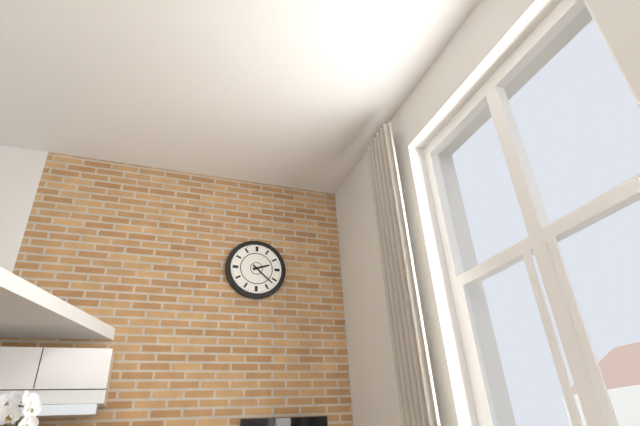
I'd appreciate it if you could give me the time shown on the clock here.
2:22
